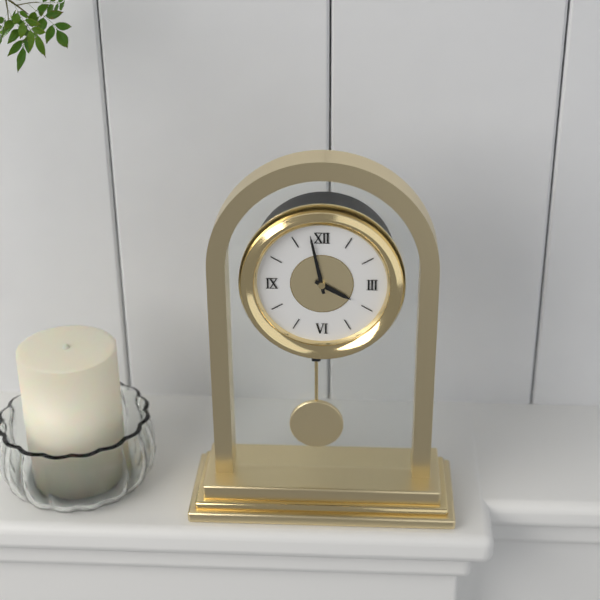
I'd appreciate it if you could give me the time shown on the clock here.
3:58
